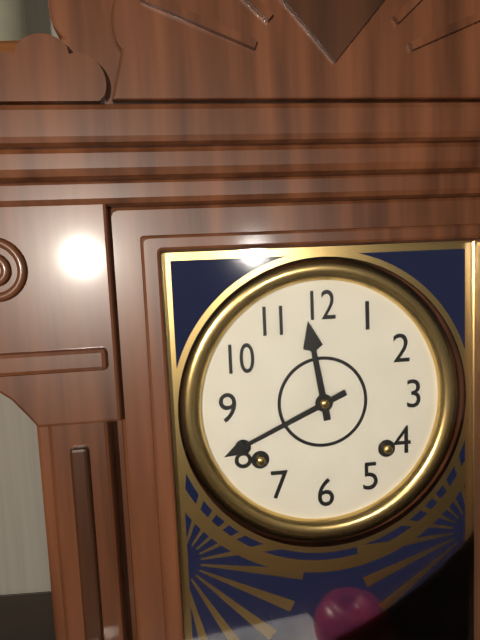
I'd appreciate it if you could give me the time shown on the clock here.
11:41
